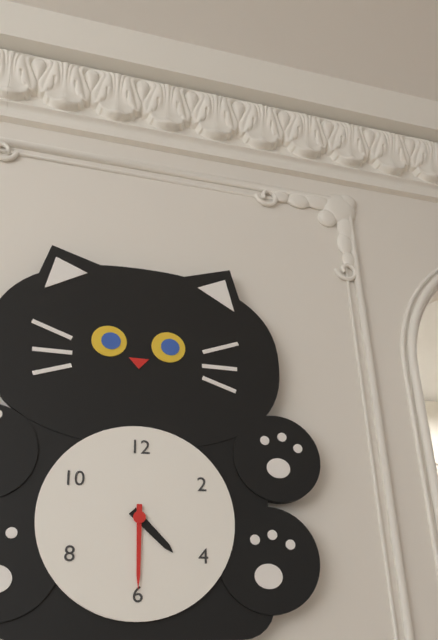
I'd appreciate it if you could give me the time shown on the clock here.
4:30
